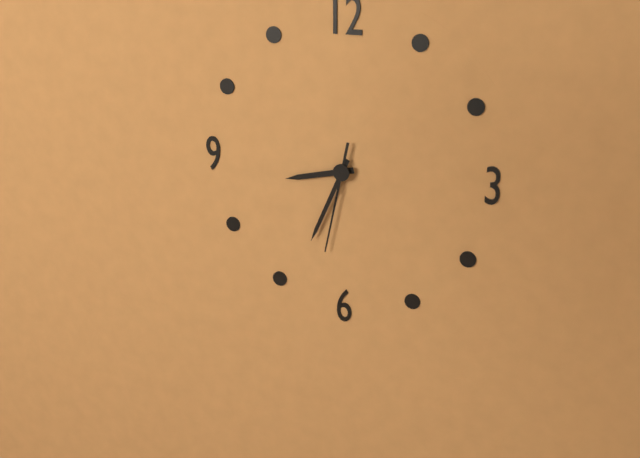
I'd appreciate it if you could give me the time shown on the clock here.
8:34:32
